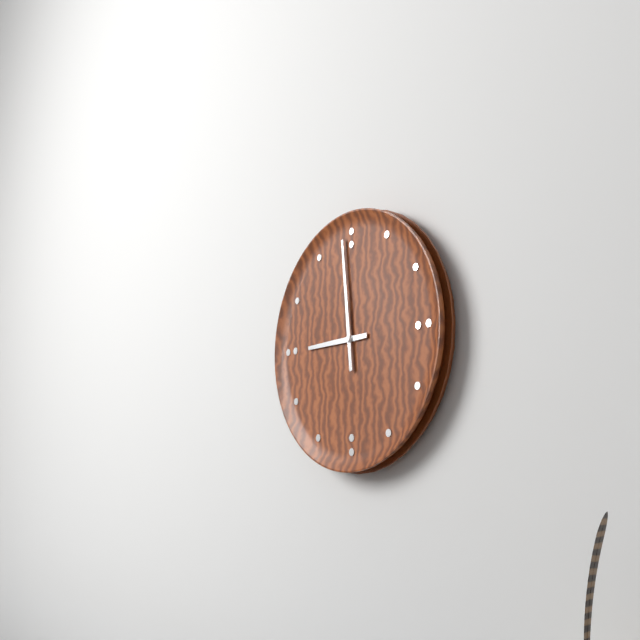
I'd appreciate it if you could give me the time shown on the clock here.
8:59
